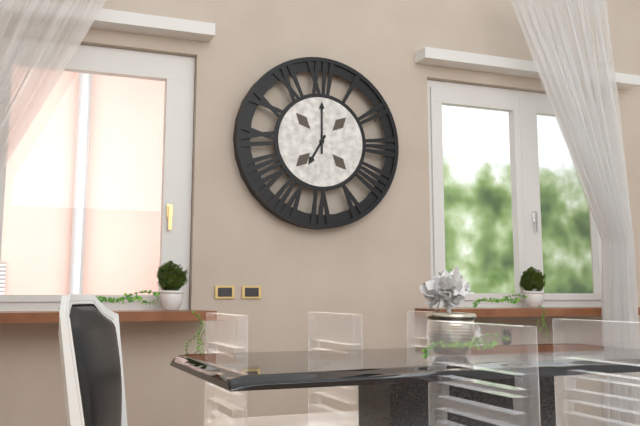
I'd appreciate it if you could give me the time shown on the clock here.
7:00
